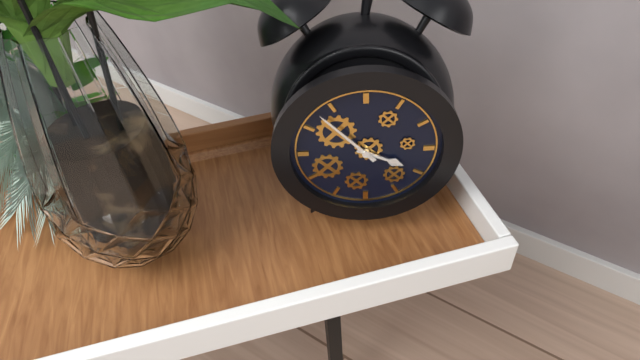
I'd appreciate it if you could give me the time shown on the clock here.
3:53
